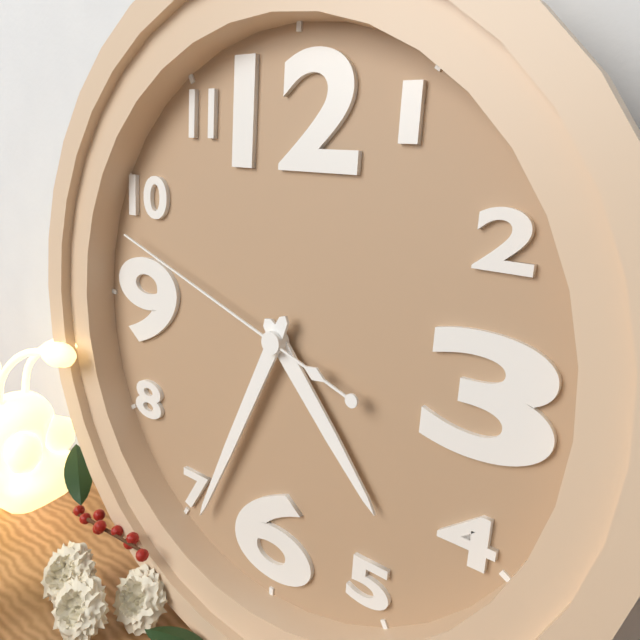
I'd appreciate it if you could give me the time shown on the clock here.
4:34:48
